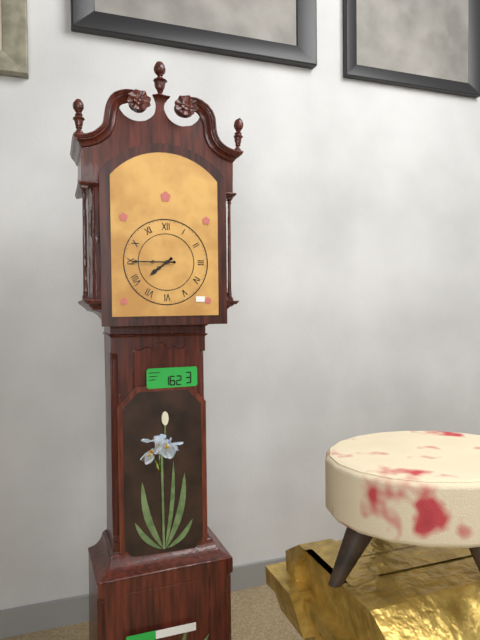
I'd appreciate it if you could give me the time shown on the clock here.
7:45
